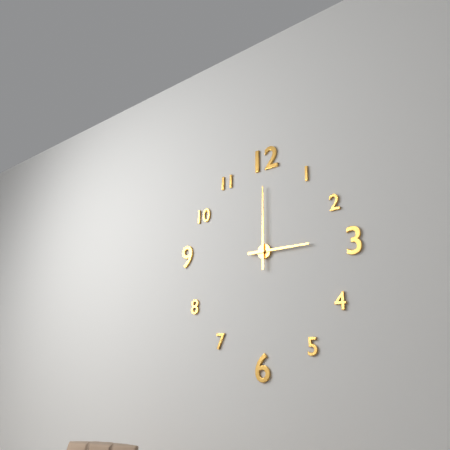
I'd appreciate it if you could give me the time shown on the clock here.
3:00
